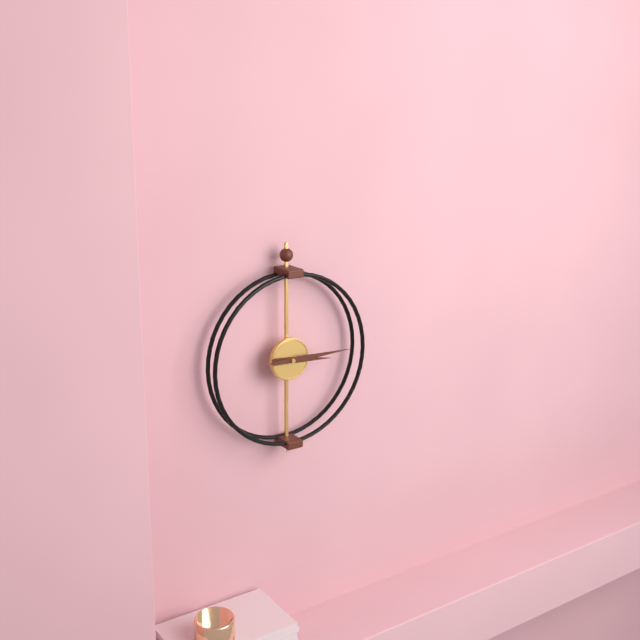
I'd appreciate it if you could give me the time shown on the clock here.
3:15
